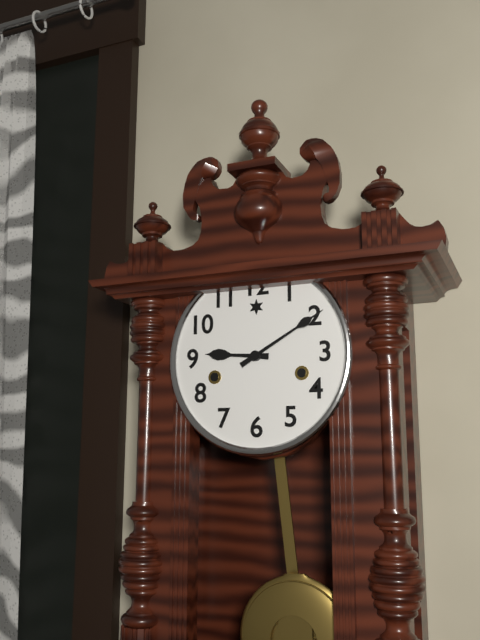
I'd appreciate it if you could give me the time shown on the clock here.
9:10
